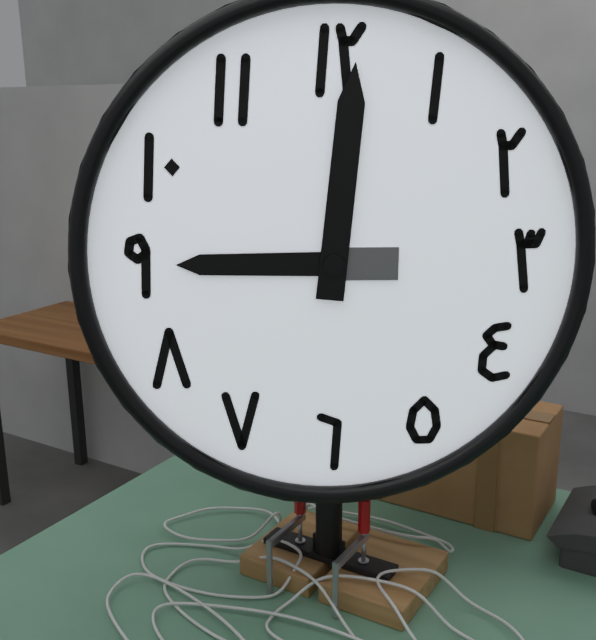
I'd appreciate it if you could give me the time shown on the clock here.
9:01
